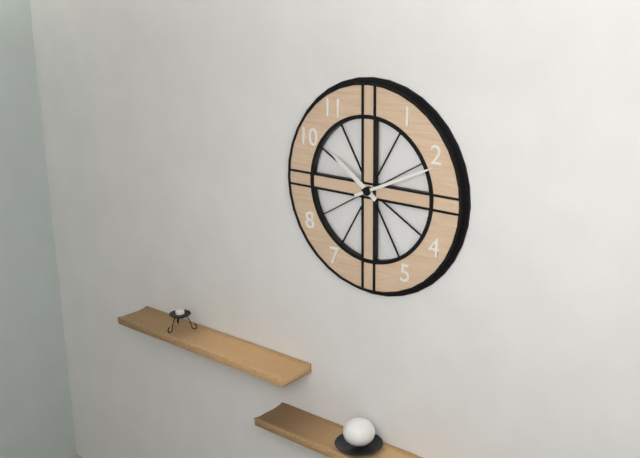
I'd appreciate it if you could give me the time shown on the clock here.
10:11
